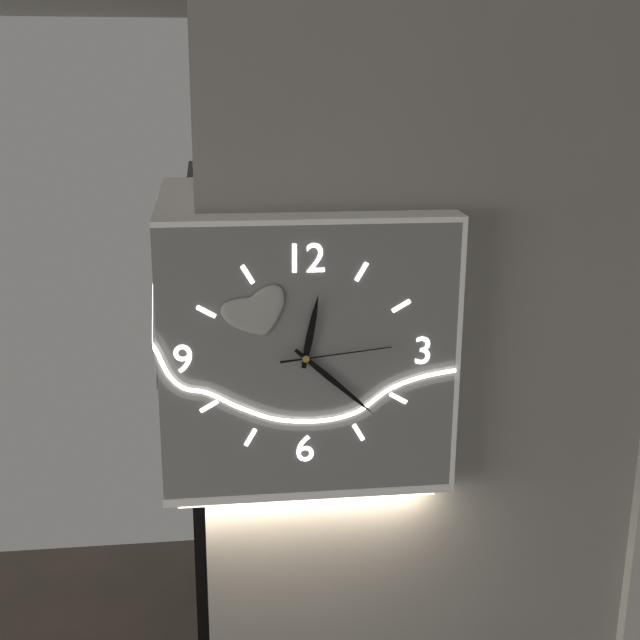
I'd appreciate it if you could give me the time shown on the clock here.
12:22:14
